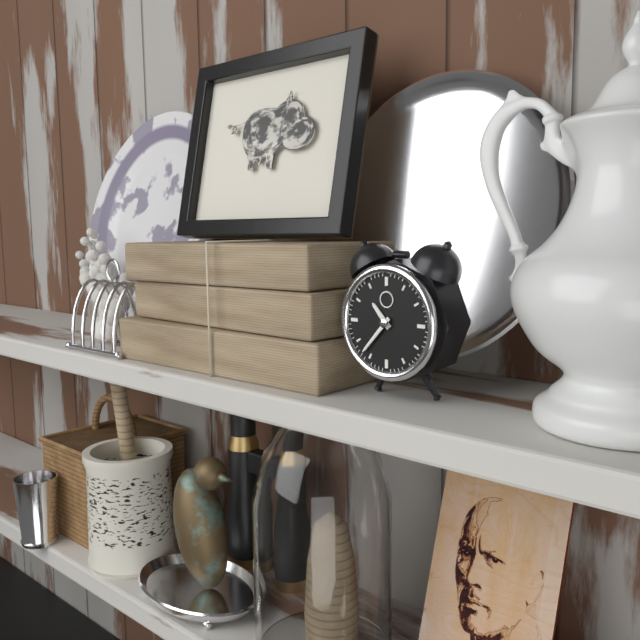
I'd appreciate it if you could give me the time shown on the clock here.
10:37
